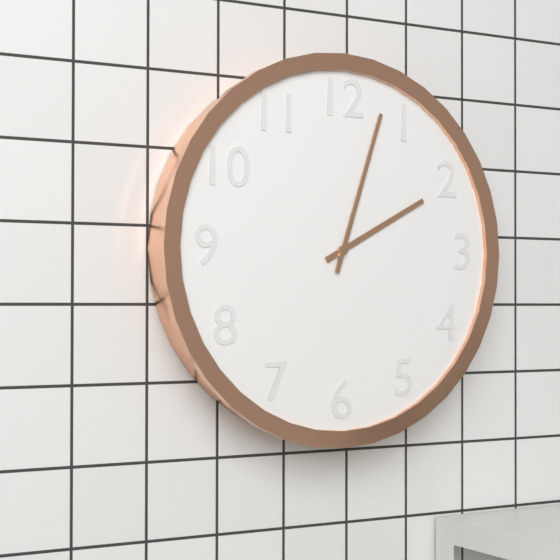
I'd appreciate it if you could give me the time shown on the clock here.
2:03
